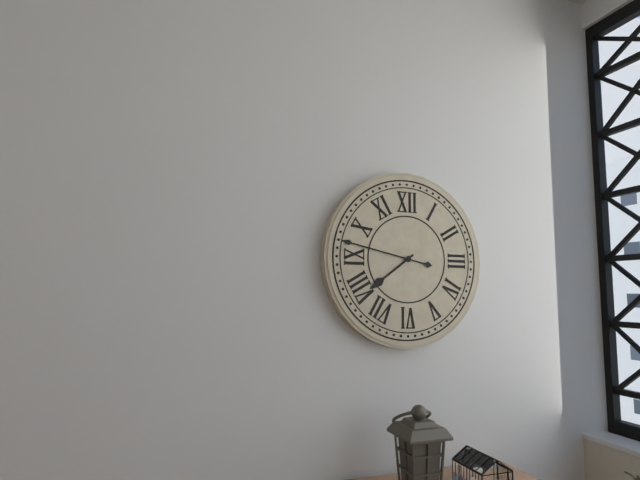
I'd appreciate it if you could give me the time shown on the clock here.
7:47
